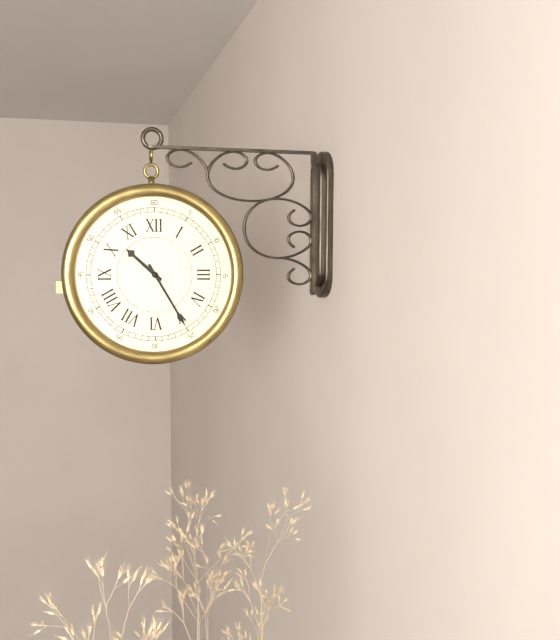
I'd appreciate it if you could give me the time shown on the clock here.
10:25
